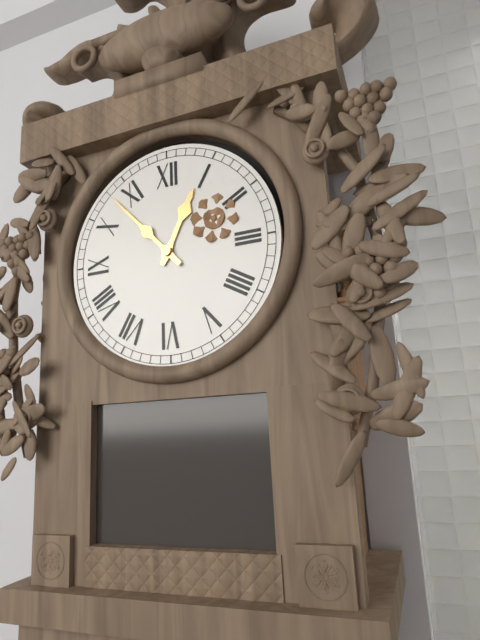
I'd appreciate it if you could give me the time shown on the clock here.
12:53
